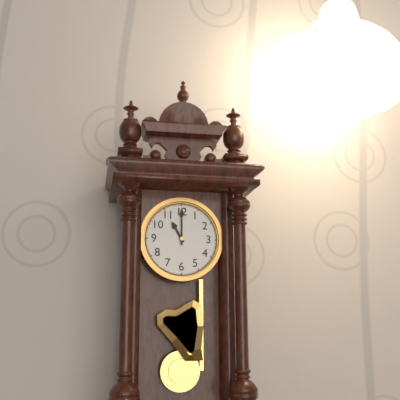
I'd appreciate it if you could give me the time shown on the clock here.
11:00
